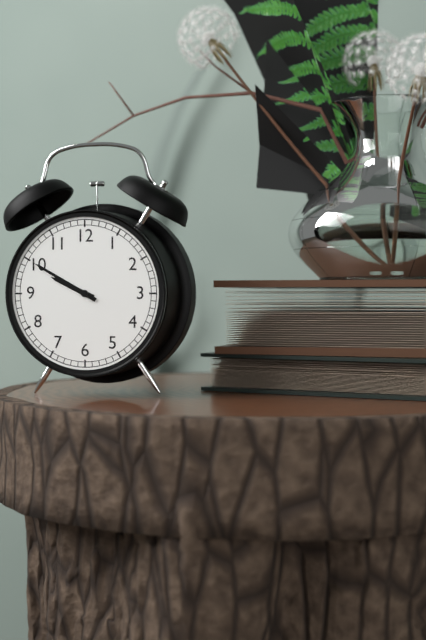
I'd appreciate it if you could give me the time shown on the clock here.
9:50
